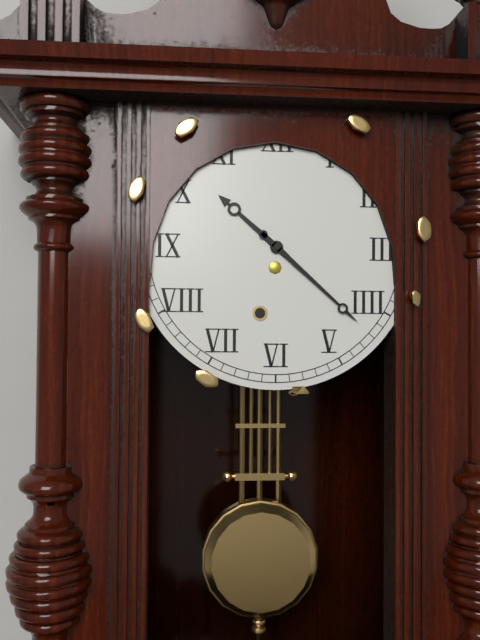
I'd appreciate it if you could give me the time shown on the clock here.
10:22
